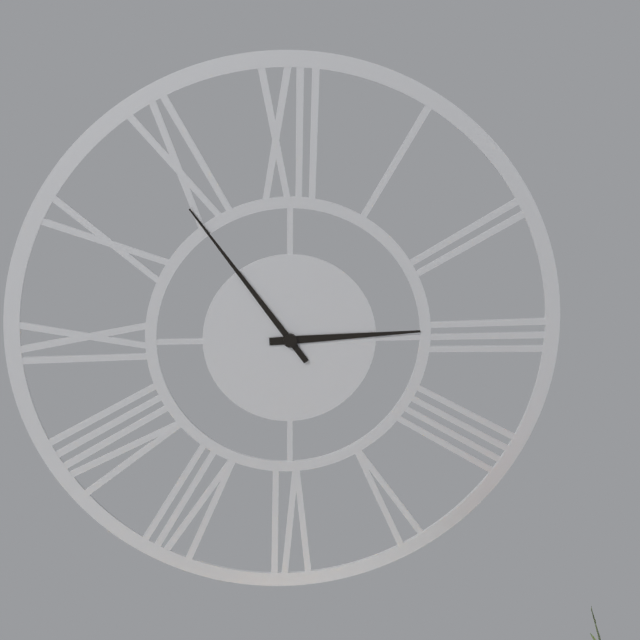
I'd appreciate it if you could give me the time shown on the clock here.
2:54
